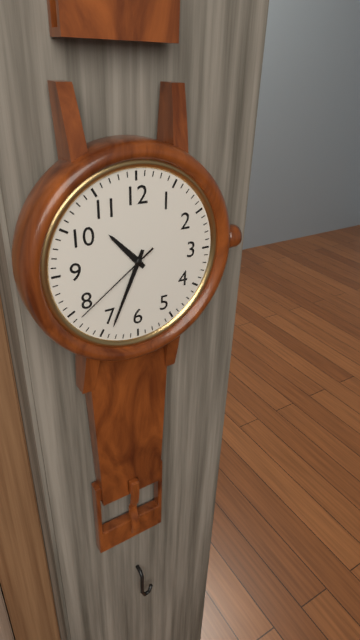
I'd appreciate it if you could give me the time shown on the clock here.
10:34:39
